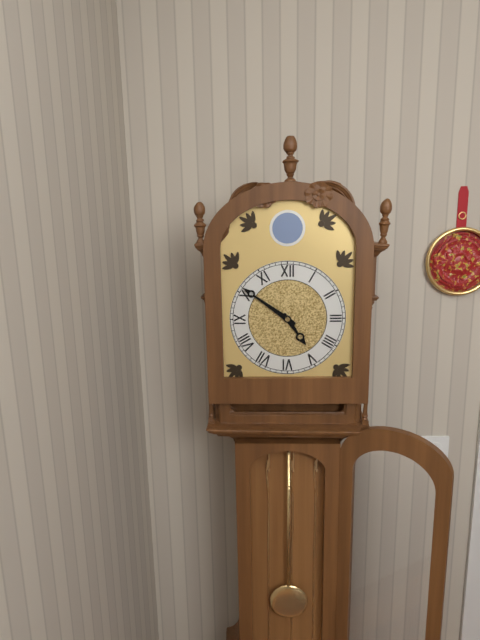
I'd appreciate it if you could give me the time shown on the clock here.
4:51
